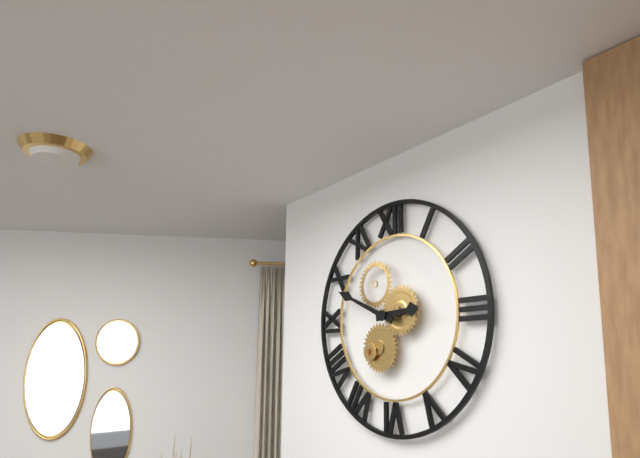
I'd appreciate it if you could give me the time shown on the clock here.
2:49
